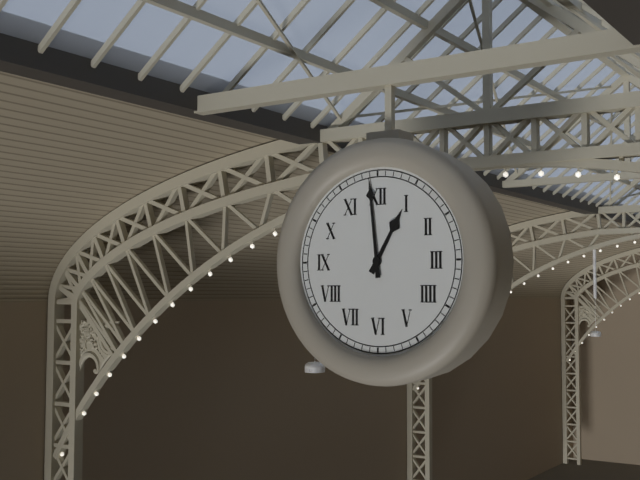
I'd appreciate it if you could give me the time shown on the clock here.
12:59
